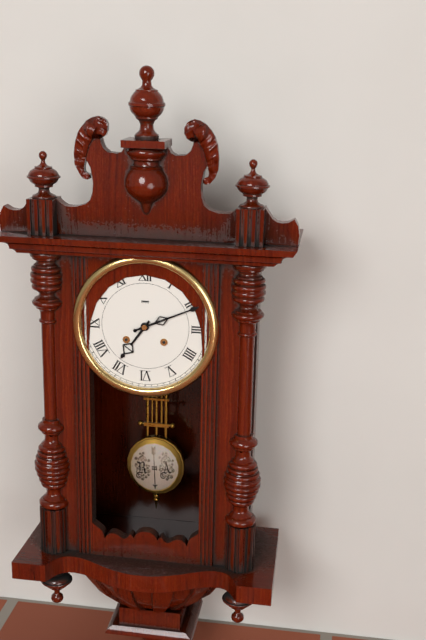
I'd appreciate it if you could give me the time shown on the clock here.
7:11
